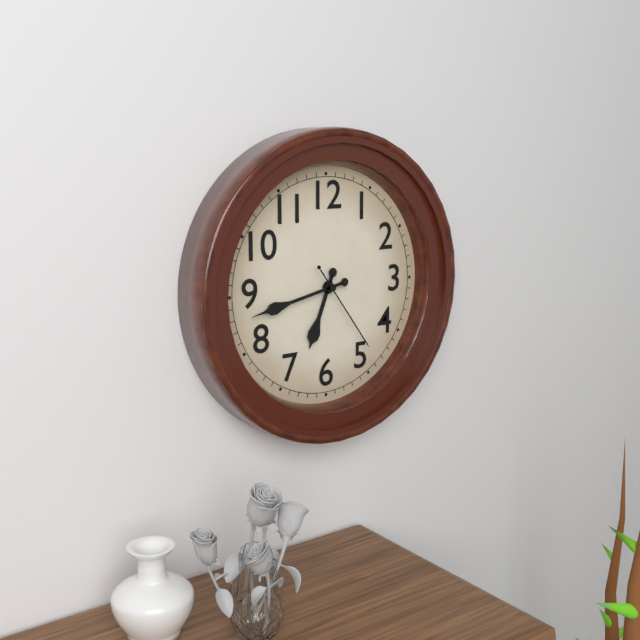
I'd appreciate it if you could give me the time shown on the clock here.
6:43:24
